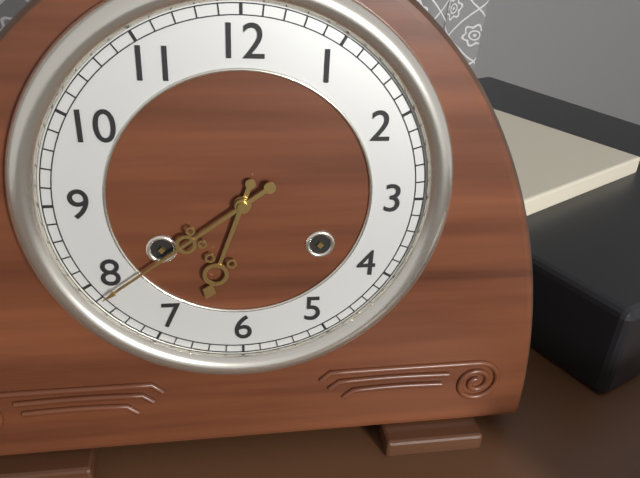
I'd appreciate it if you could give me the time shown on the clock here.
6:39
